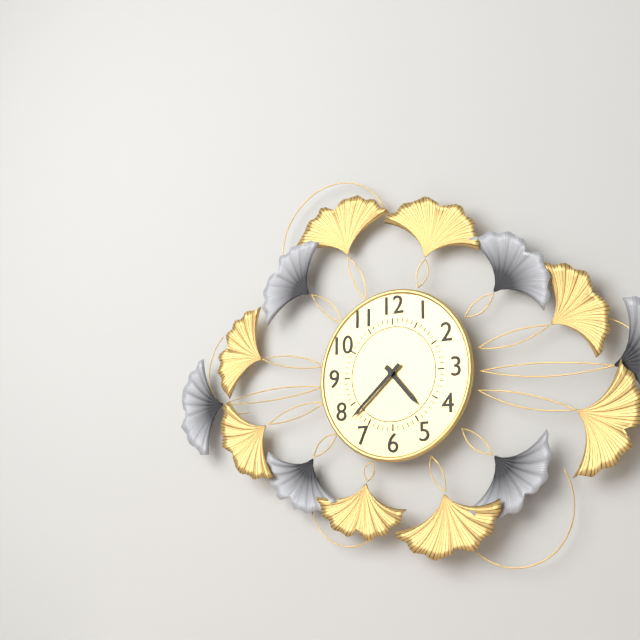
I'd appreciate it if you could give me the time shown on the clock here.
4:38
